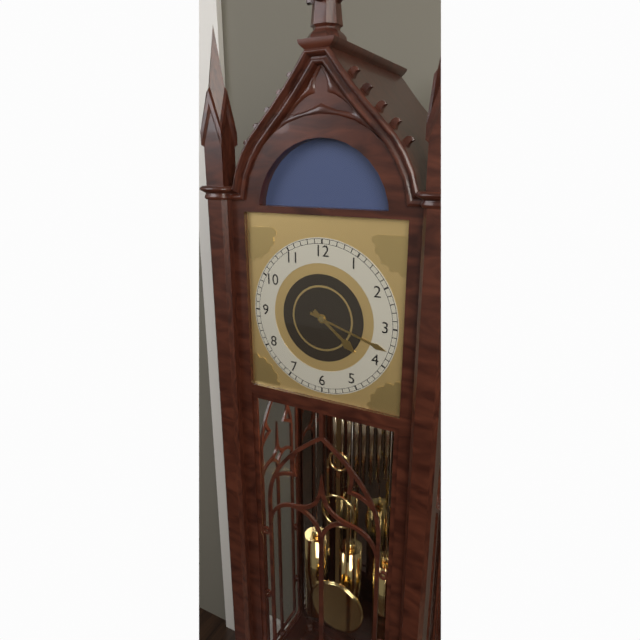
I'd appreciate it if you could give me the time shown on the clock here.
4:18
